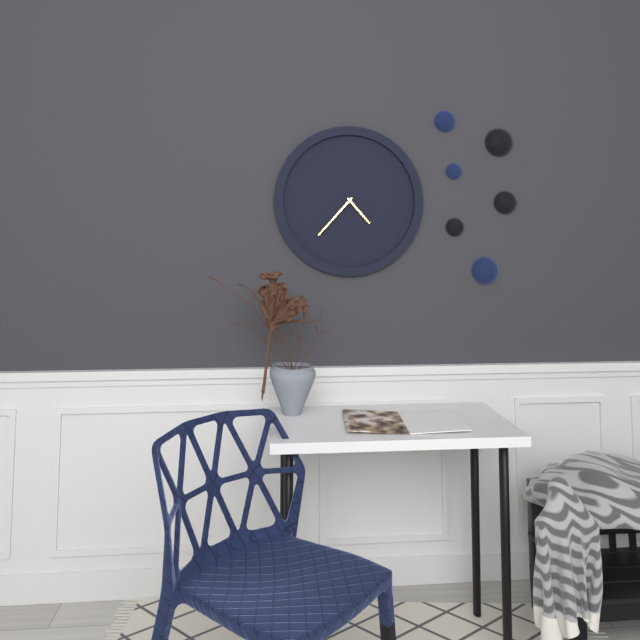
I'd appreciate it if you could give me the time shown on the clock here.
4:37
